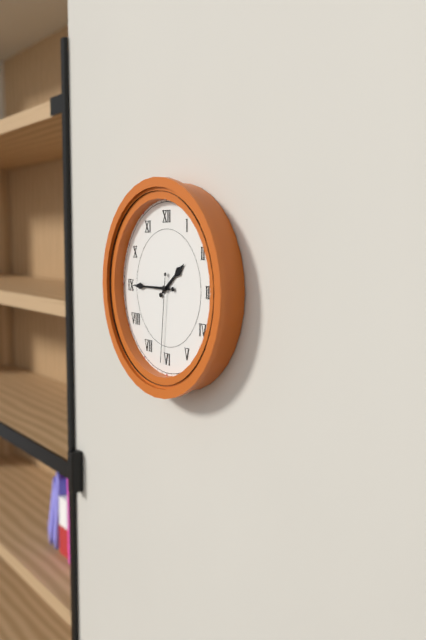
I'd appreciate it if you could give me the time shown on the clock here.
1:45:31
